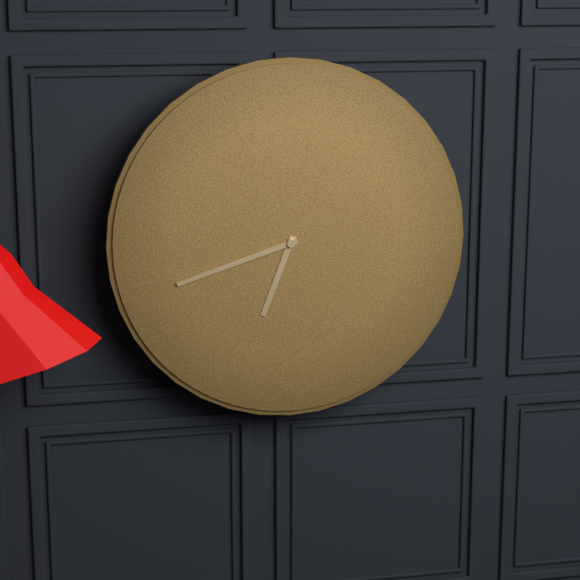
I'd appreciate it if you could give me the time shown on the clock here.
6:42
